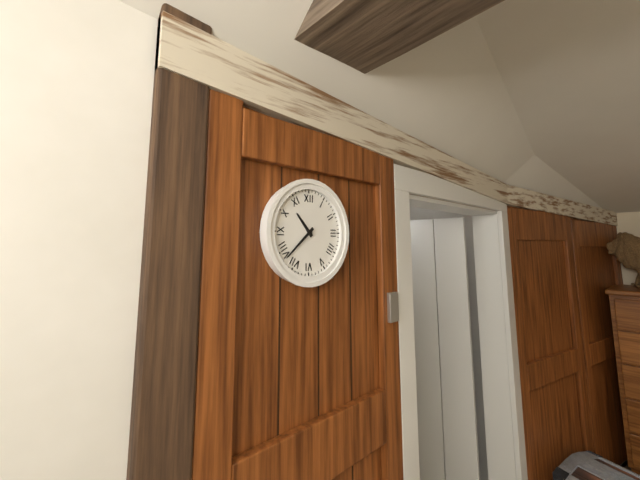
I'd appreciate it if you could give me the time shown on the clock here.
10:38
